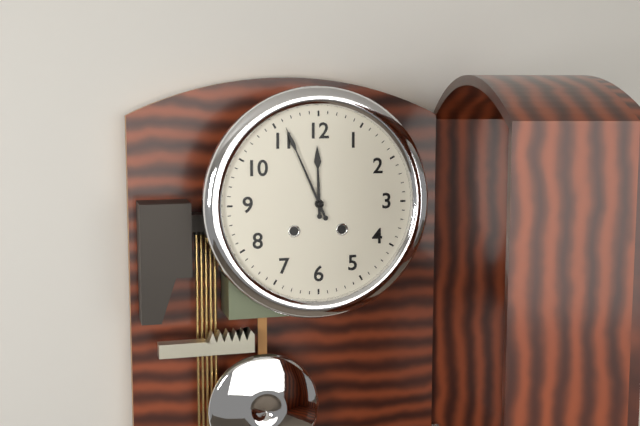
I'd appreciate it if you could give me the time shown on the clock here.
11:56
